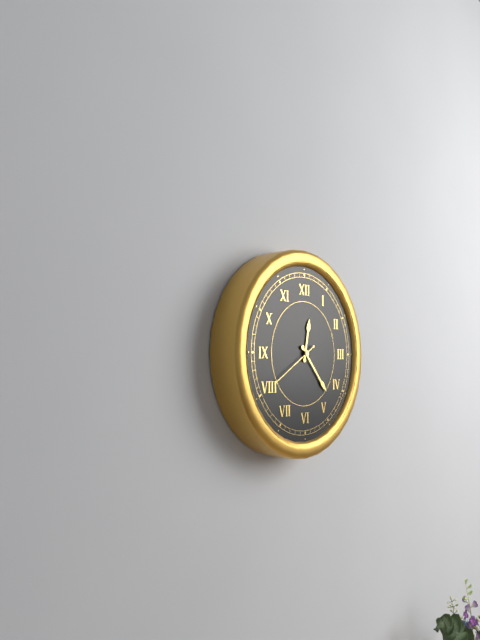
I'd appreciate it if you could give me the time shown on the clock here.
12:23:40
